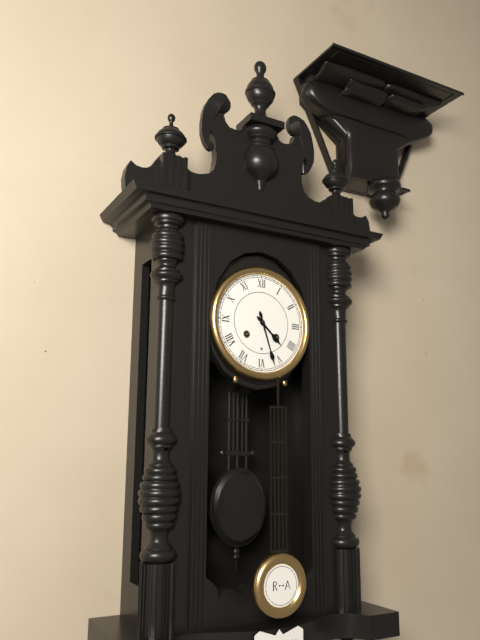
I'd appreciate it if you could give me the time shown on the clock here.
4:27
